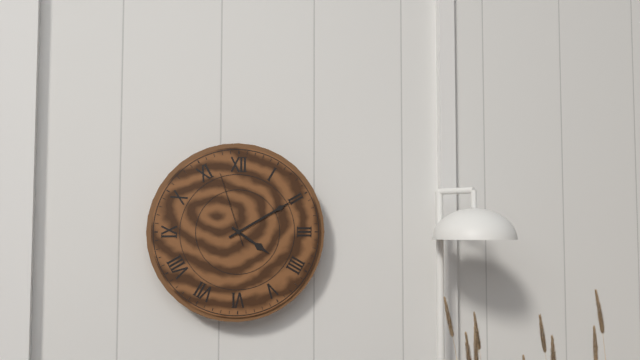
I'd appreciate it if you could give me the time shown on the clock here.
4:10:57
